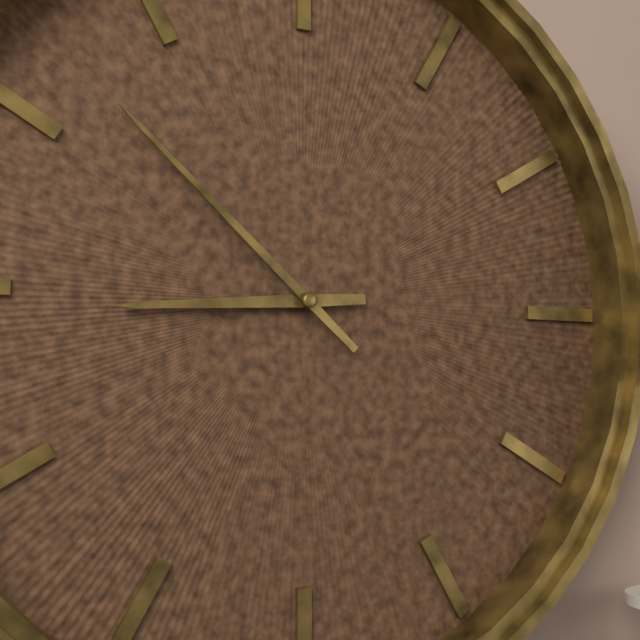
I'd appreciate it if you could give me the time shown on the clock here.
8:52
